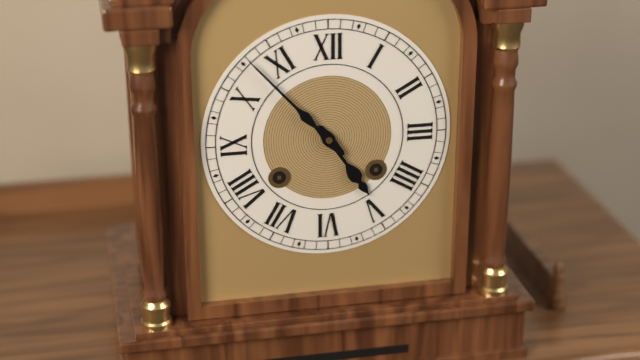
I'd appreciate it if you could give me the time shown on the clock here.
4:53
